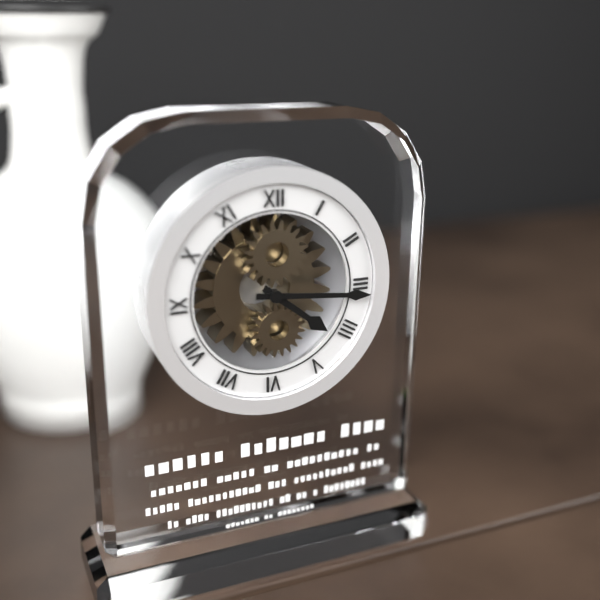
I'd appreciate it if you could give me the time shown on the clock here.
4:16
